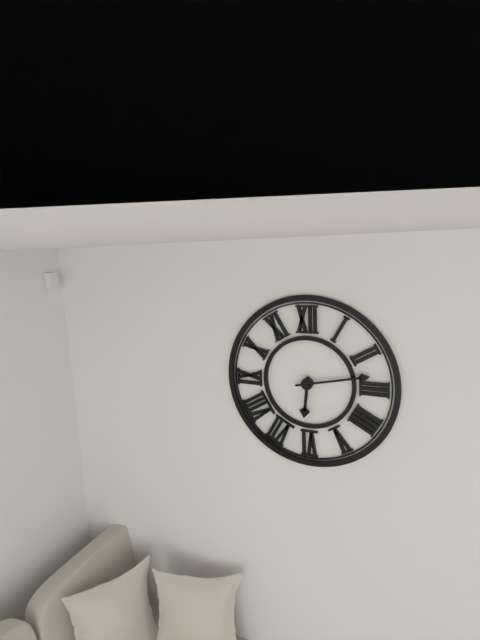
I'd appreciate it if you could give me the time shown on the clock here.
6:13
